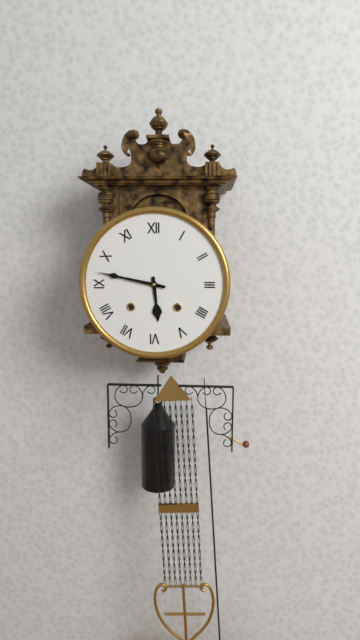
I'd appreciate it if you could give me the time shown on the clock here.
5:47
